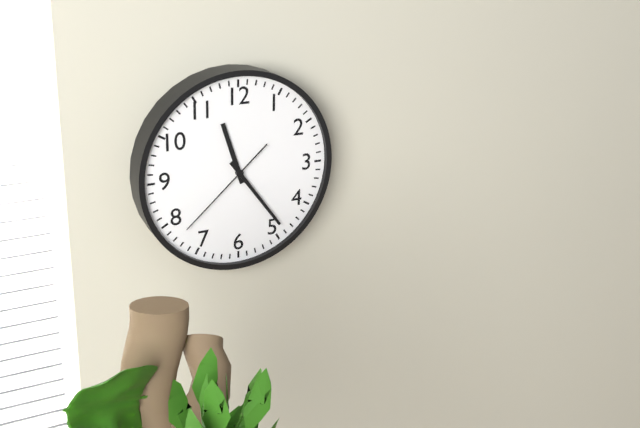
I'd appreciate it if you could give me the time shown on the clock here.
11:24:38
